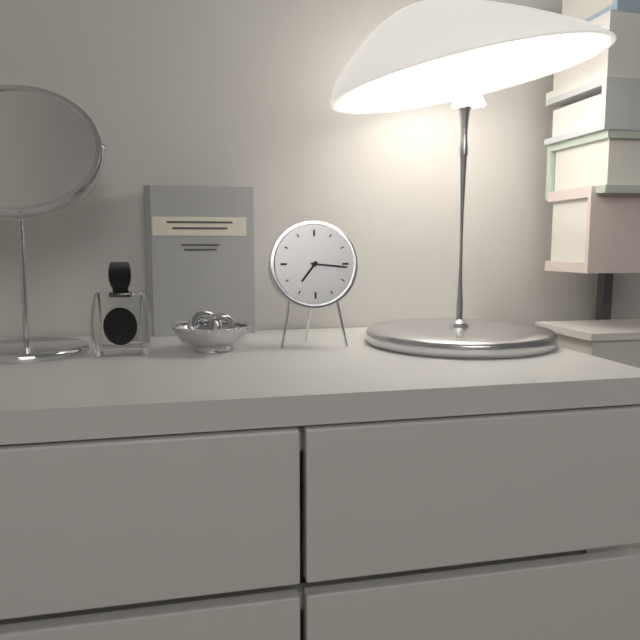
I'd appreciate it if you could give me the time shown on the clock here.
7:16
